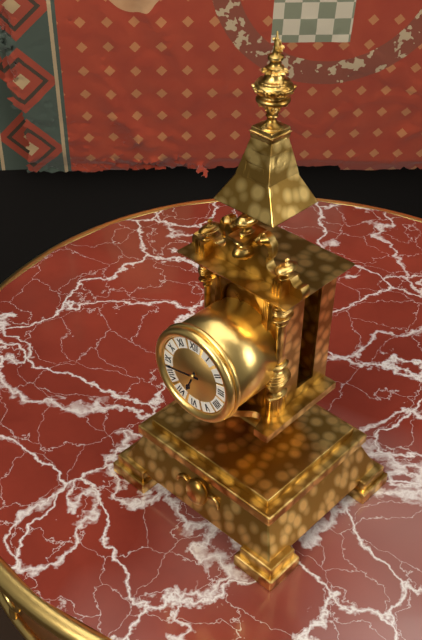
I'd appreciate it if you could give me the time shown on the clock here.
6:43
